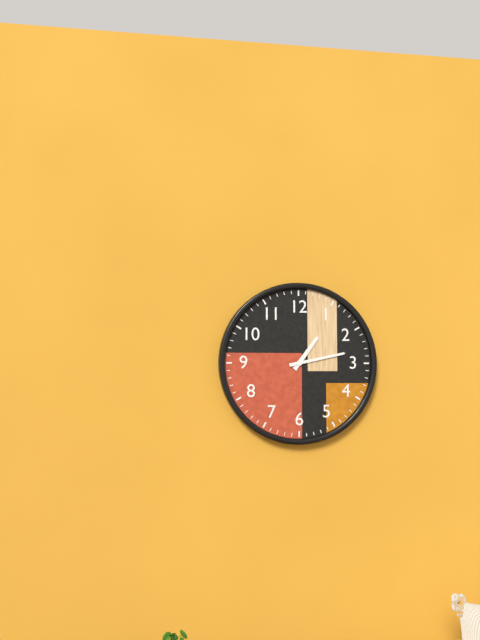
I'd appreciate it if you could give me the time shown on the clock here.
1:13
